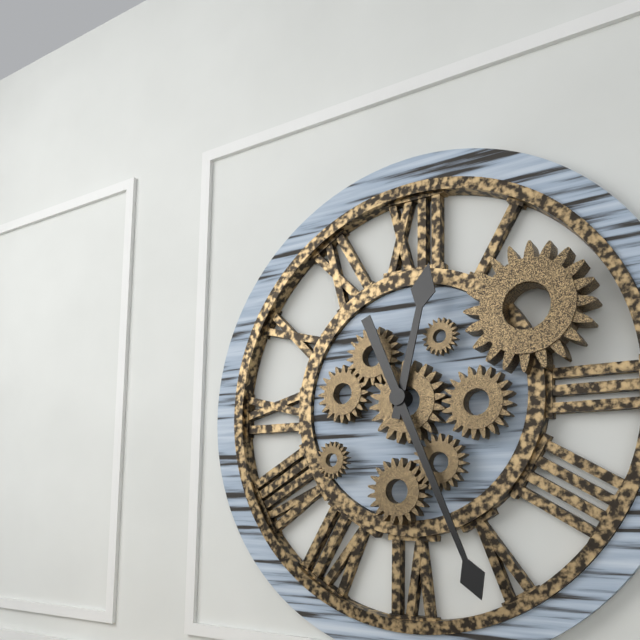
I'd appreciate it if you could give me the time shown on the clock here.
12:26
